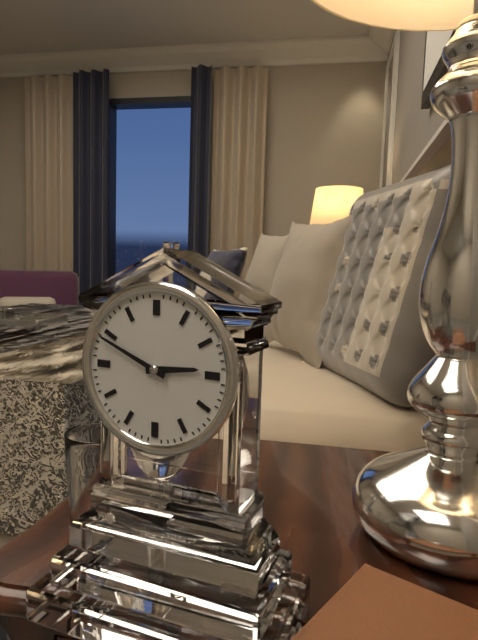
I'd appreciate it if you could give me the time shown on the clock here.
2:49
